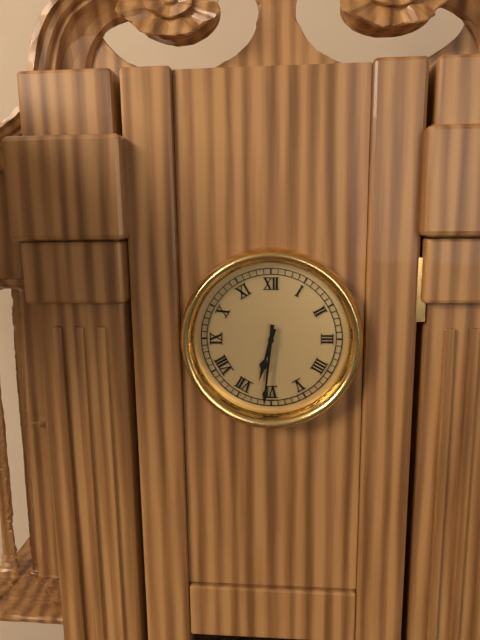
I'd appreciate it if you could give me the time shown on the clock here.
6:31
